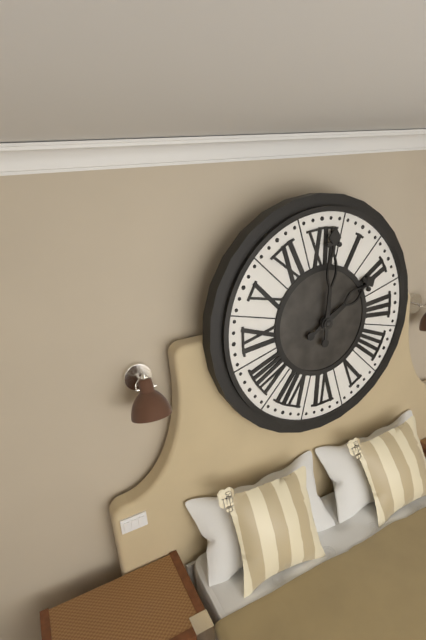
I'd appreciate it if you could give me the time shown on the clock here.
2:01
